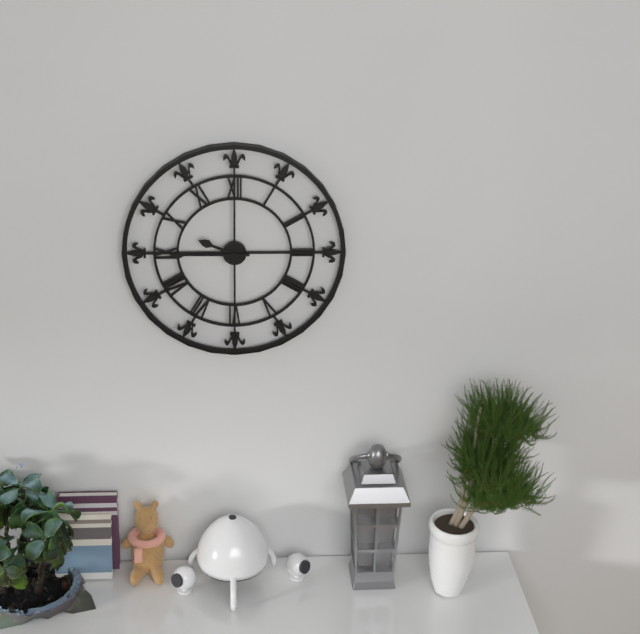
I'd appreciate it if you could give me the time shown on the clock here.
9:45
